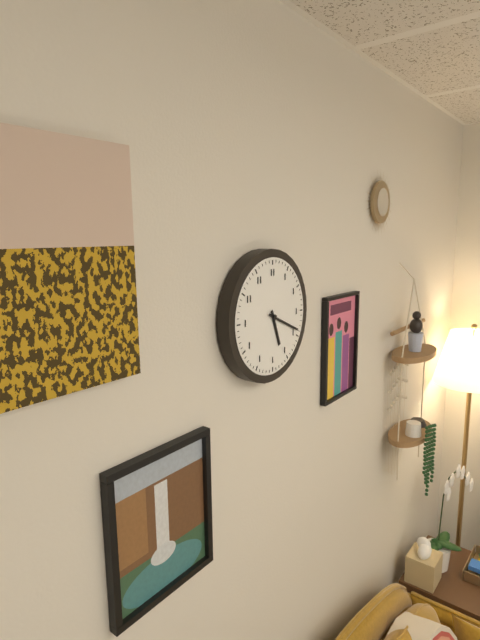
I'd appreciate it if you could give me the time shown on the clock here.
5:19
